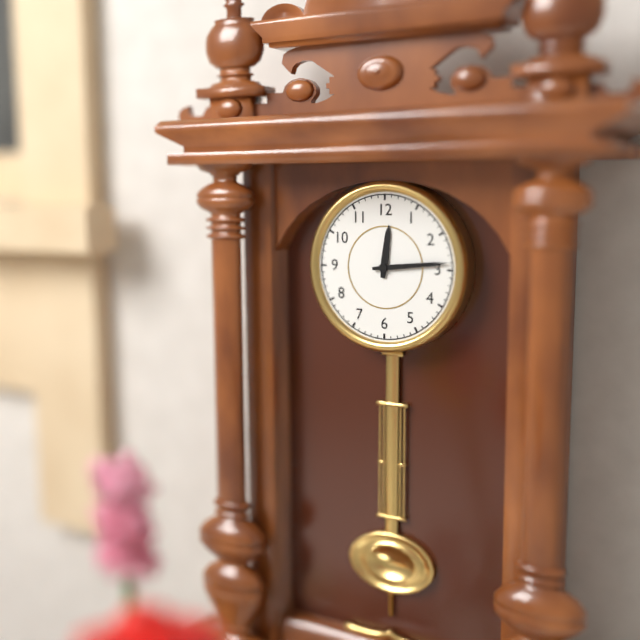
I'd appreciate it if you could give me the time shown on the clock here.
12:14
